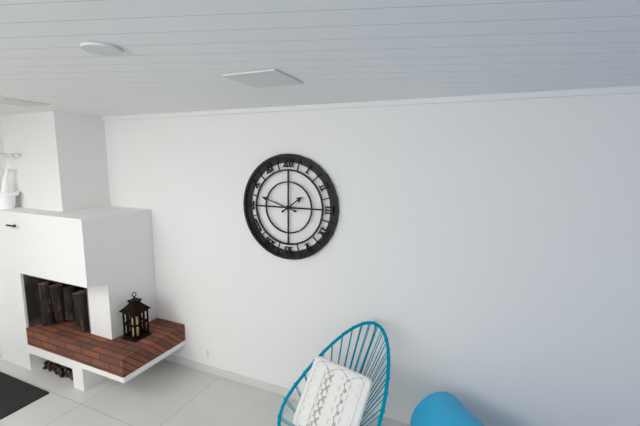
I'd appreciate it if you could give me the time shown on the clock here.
1:48
